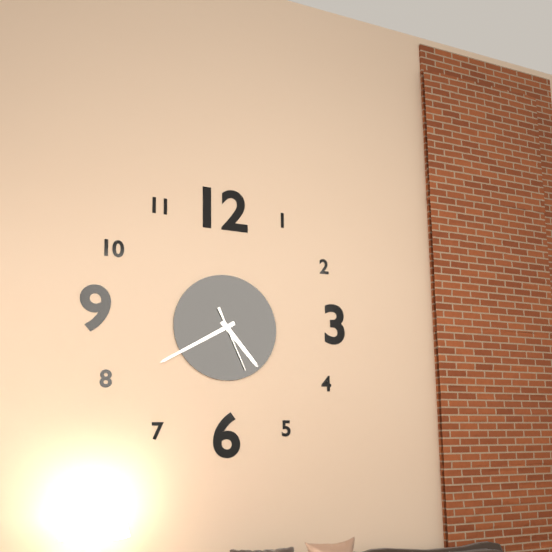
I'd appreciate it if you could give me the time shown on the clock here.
4:40:26
